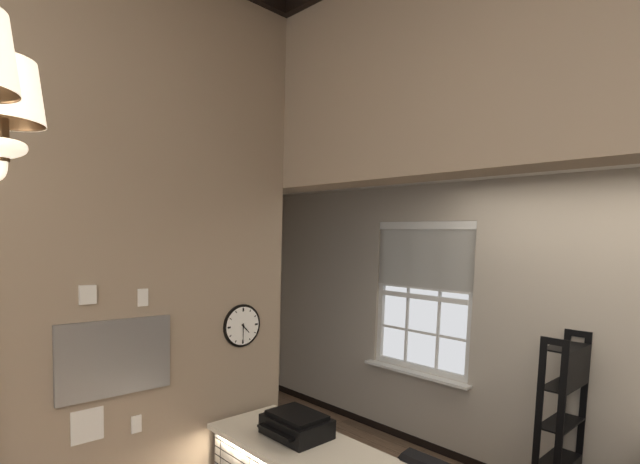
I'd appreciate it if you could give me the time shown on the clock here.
4:30
